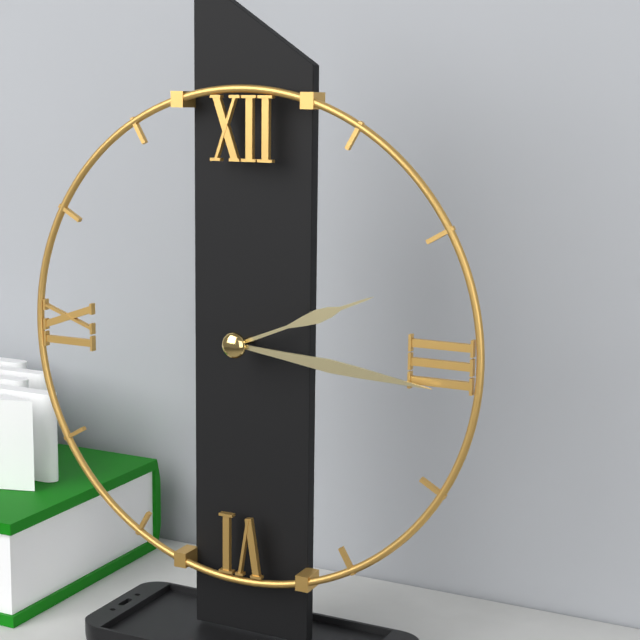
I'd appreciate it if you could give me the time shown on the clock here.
2:16
